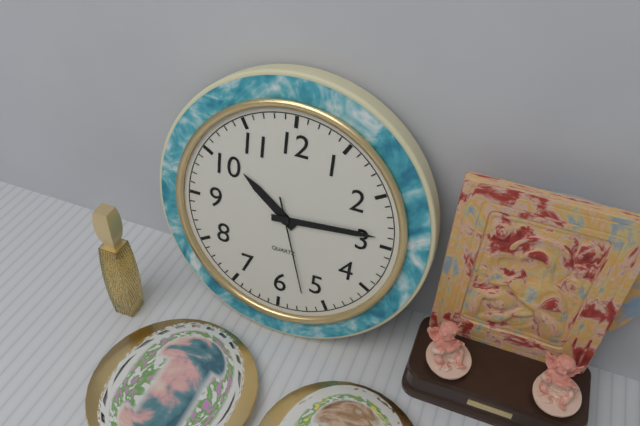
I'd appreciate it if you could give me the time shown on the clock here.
10:14:27
